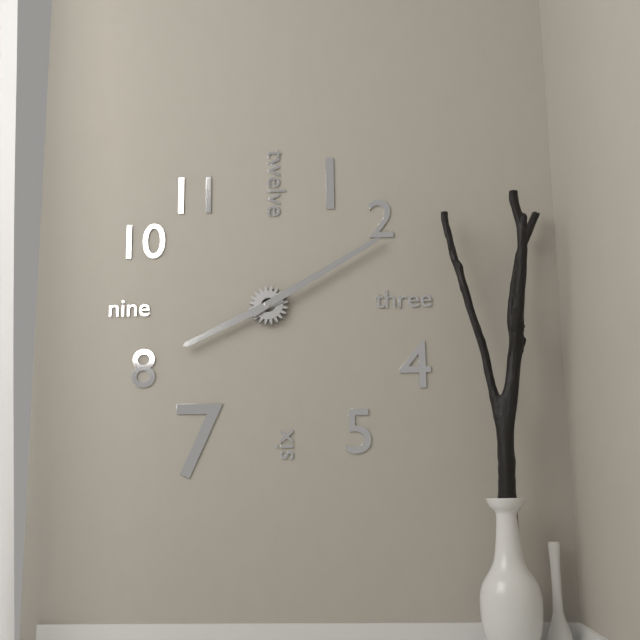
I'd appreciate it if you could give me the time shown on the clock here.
8:10
